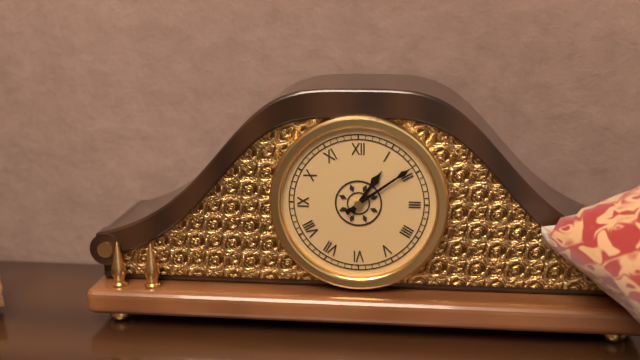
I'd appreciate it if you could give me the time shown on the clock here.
1:09
